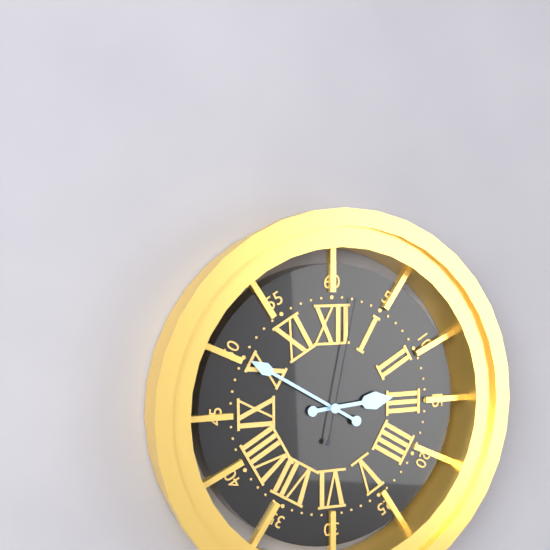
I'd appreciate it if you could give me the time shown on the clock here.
2:50:02
